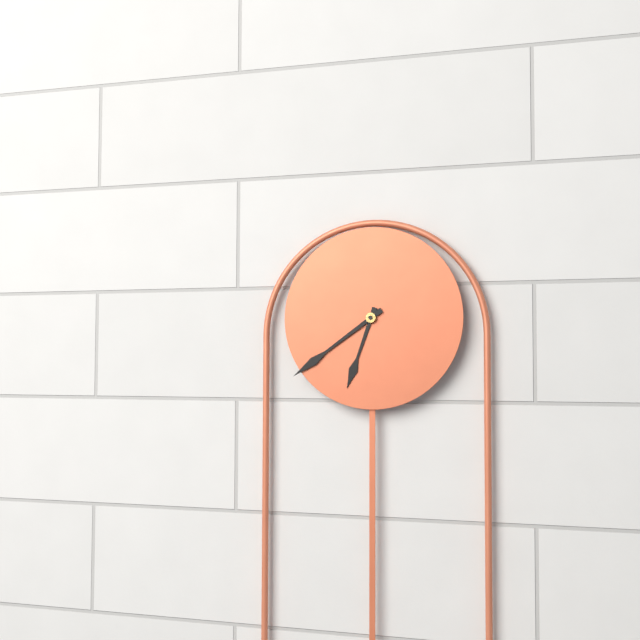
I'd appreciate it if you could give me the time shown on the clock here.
6:39
